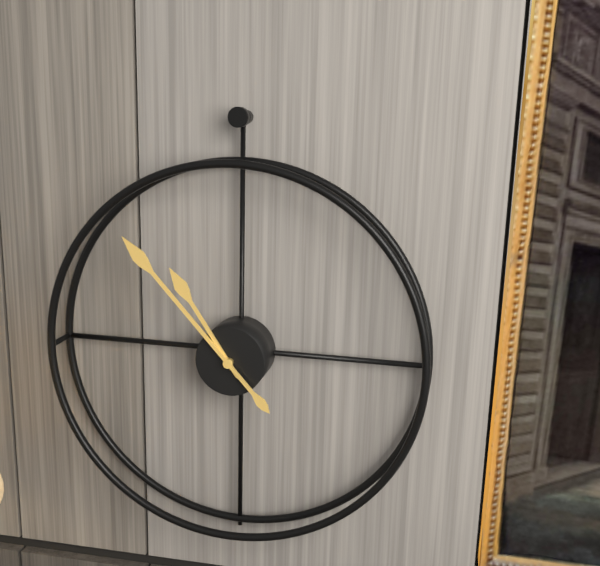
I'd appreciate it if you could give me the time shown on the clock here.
10:53
